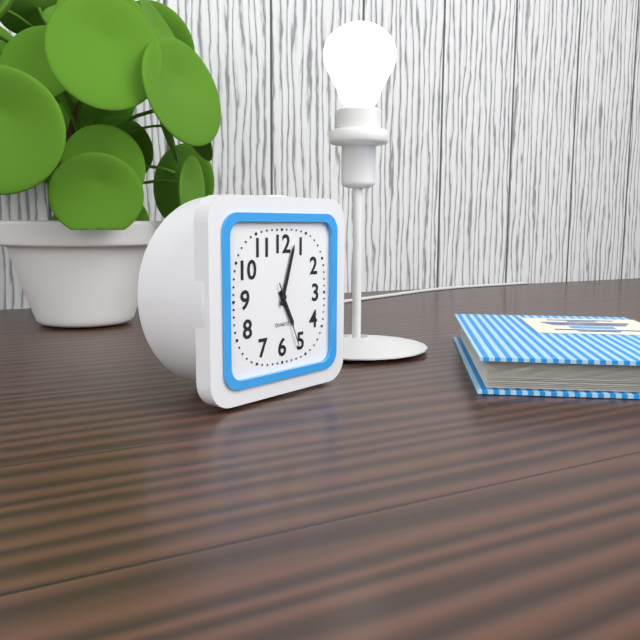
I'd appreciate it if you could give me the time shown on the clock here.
5:03:26
